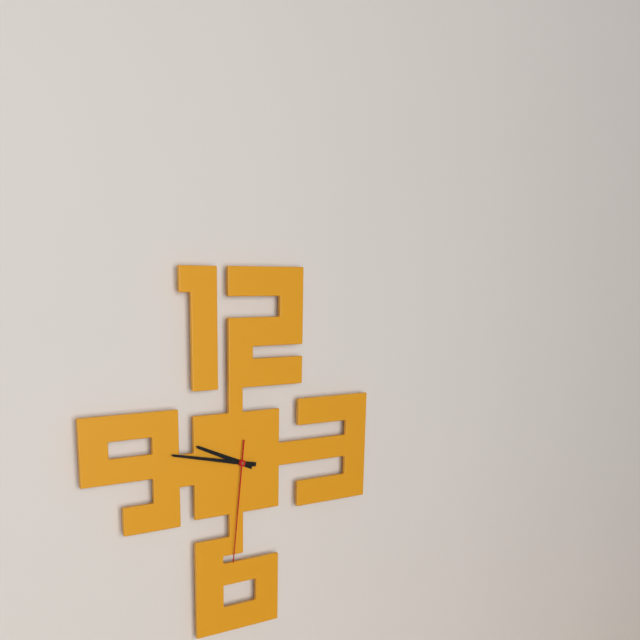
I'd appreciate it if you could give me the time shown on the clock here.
9:47:31
